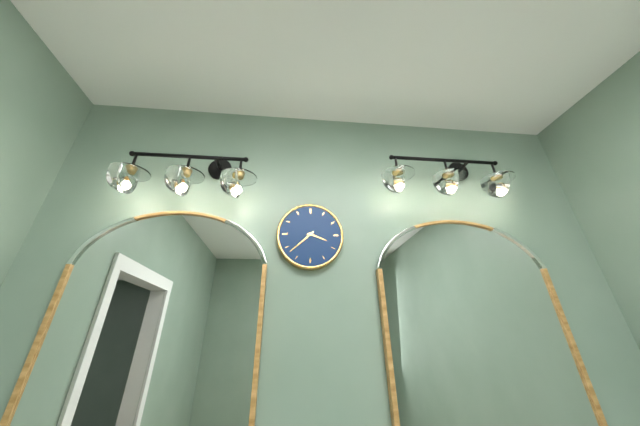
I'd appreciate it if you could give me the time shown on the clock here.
3:38
